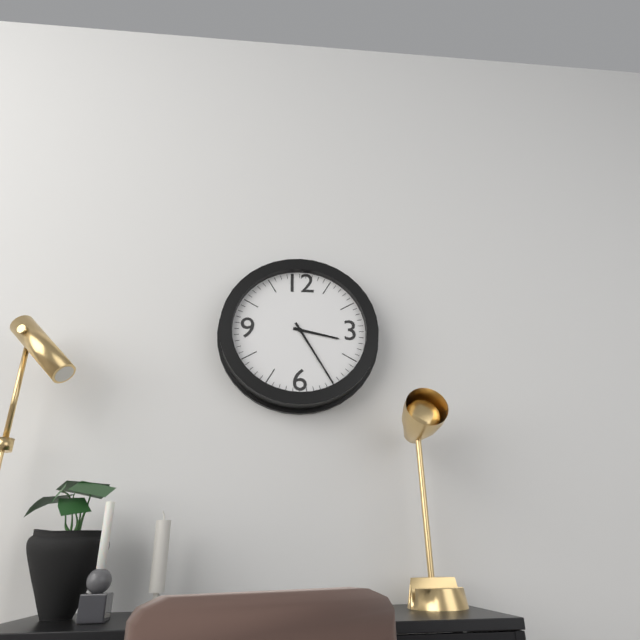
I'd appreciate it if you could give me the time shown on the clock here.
3:25
